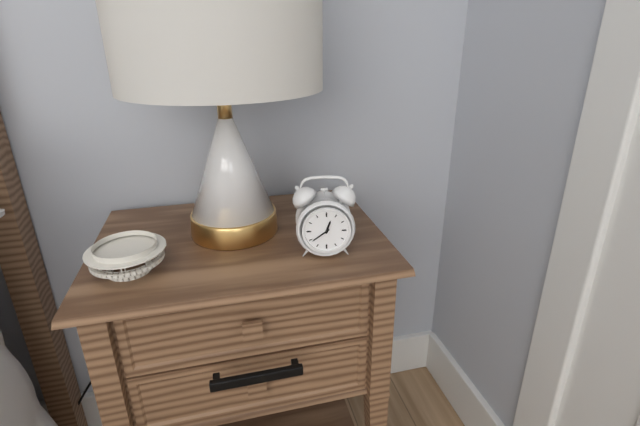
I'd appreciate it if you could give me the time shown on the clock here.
12:39
